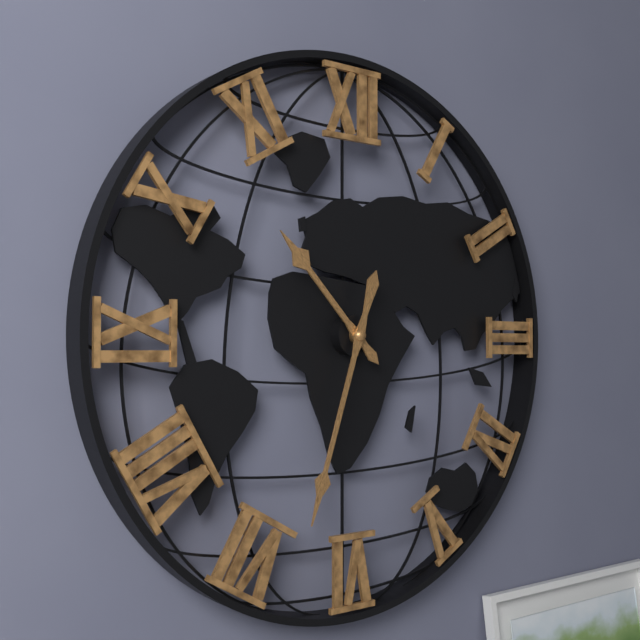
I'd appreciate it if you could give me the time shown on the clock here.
10:33
